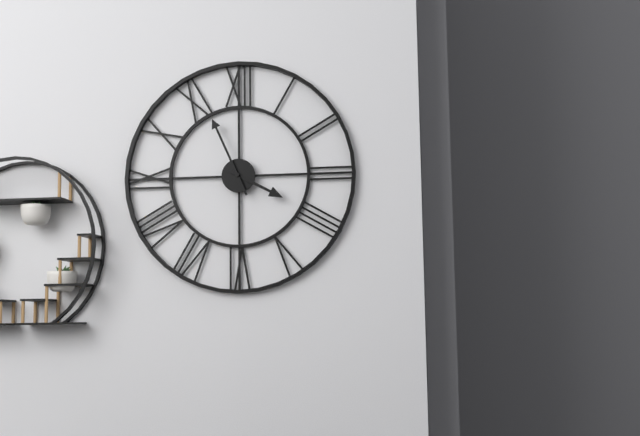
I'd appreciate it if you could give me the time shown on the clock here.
3:56
